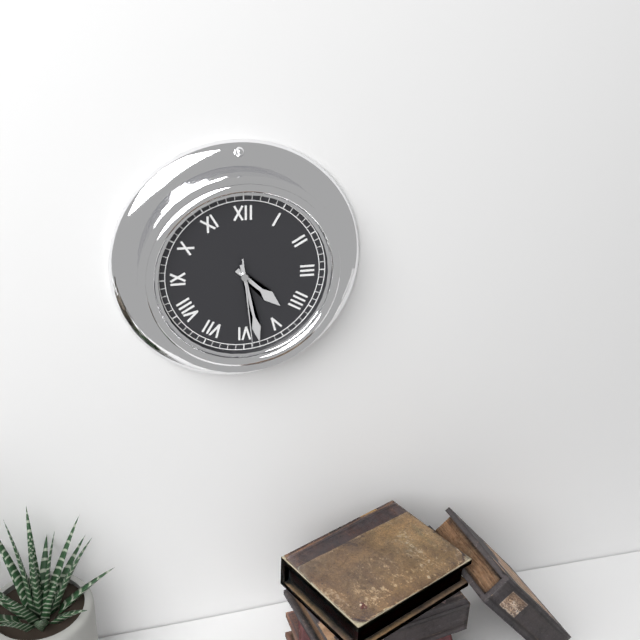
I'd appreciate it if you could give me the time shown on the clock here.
4:28:29
